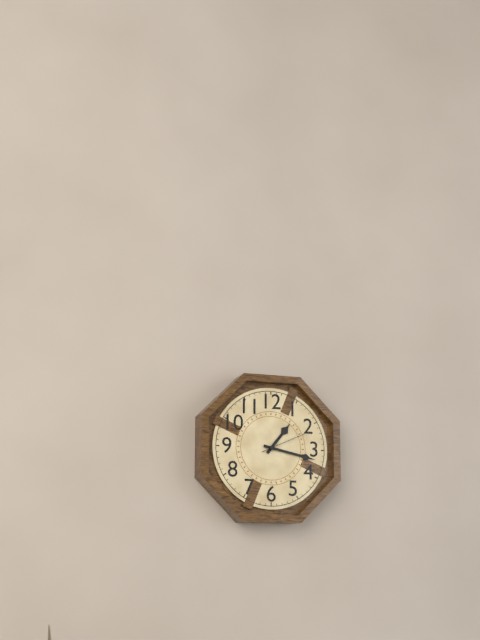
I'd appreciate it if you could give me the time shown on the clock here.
1:17:11
